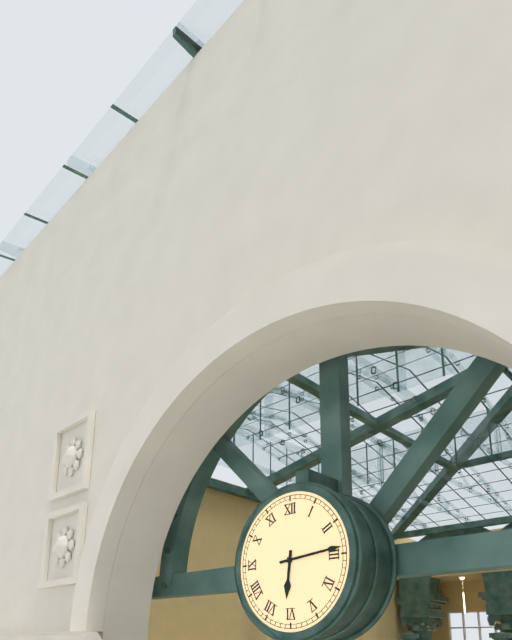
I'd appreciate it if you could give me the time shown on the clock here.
6:14
